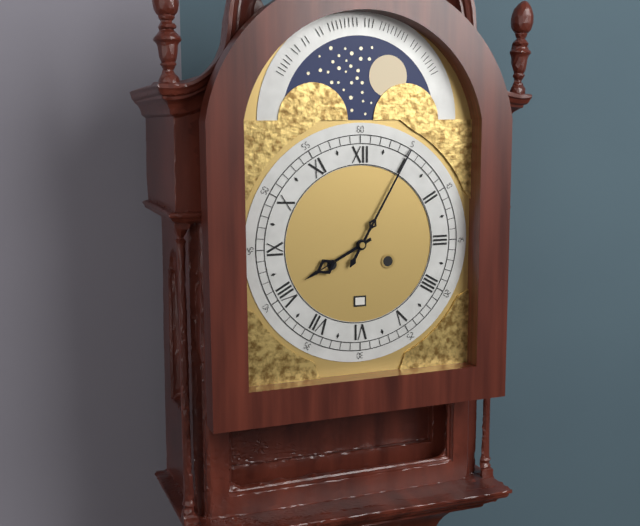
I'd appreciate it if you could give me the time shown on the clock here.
8:05
